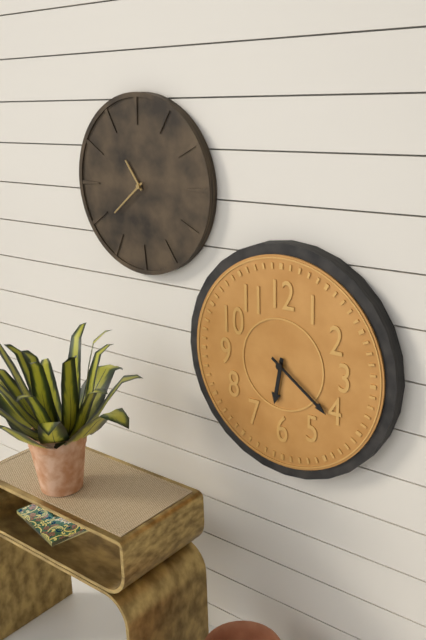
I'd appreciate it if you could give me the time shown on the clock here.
6:21
